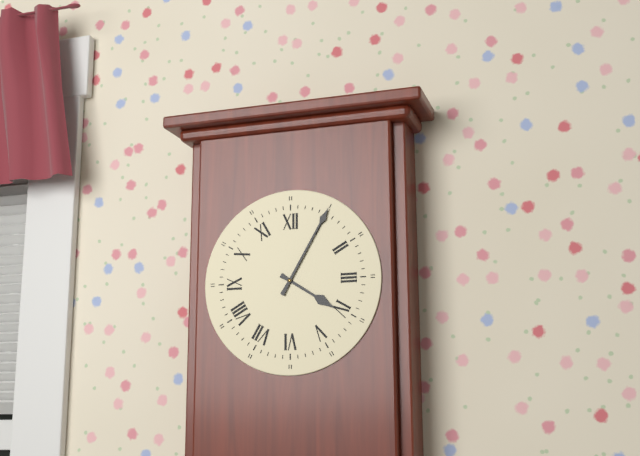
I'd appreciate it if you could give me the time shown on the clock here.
4:05
